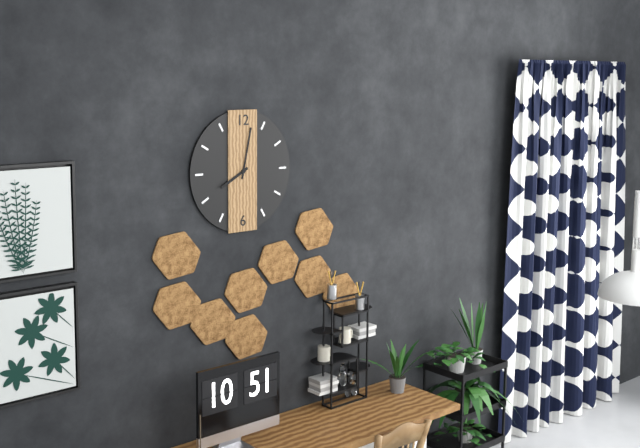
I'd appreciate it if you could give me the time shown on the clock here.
8:02
